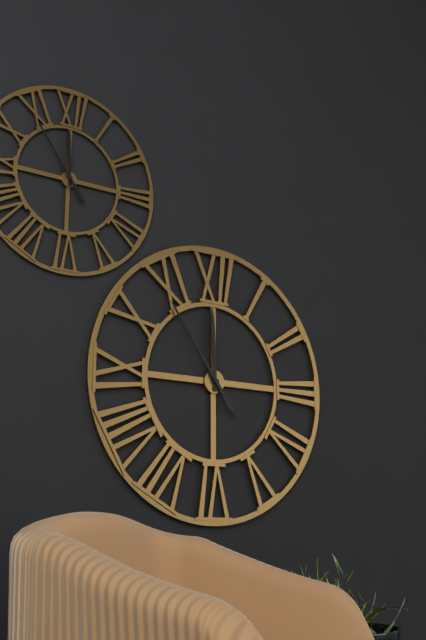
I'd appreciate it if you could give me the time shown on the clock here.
11:54
